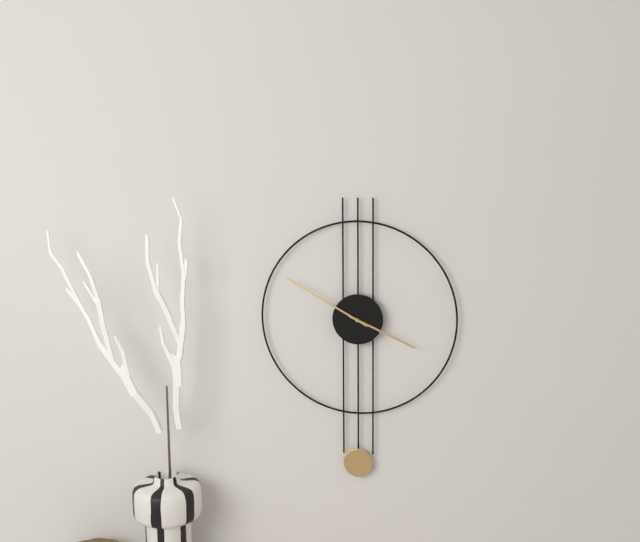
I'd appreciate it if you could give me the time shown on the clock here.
3:50
